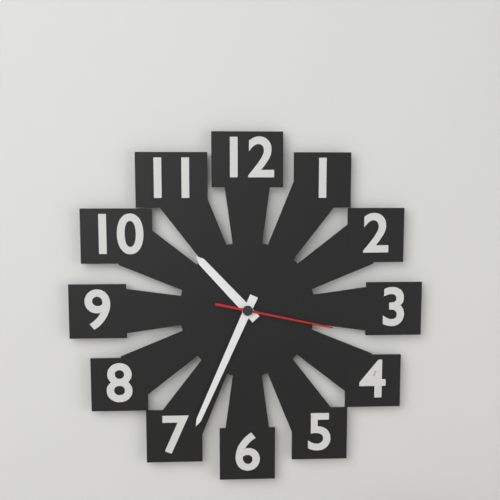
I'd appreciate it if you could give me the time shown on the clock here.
10:34:17
